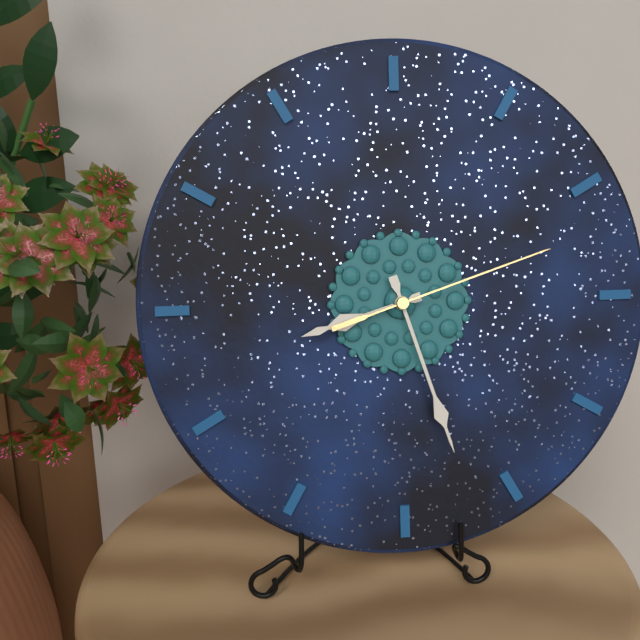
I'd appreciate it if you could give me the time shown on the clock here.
8:27:12
